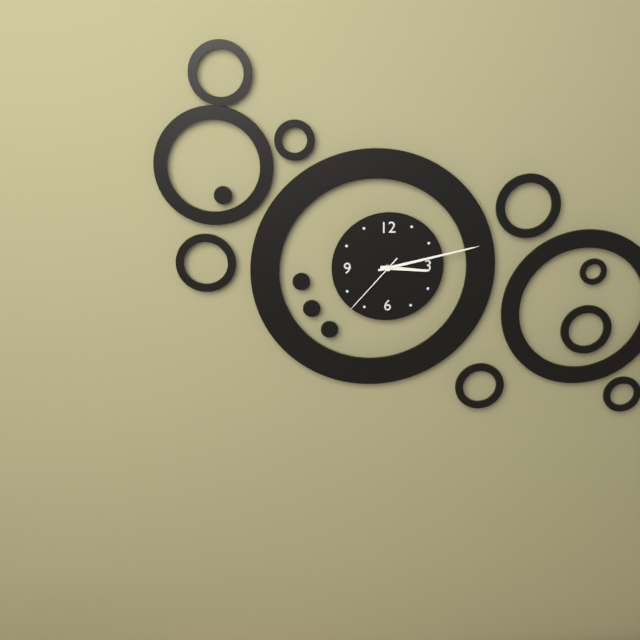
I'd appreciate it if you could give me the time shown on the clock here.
3:13:37
